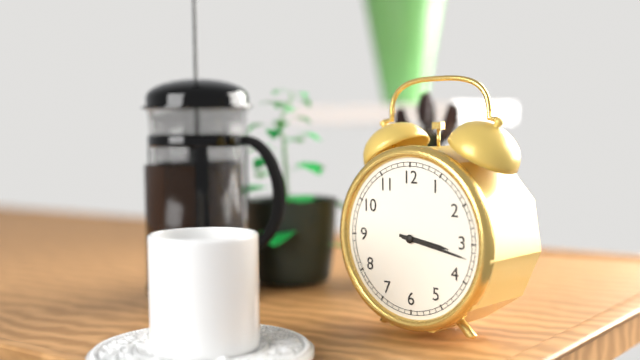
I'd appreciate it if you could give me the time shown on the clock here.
3:17
